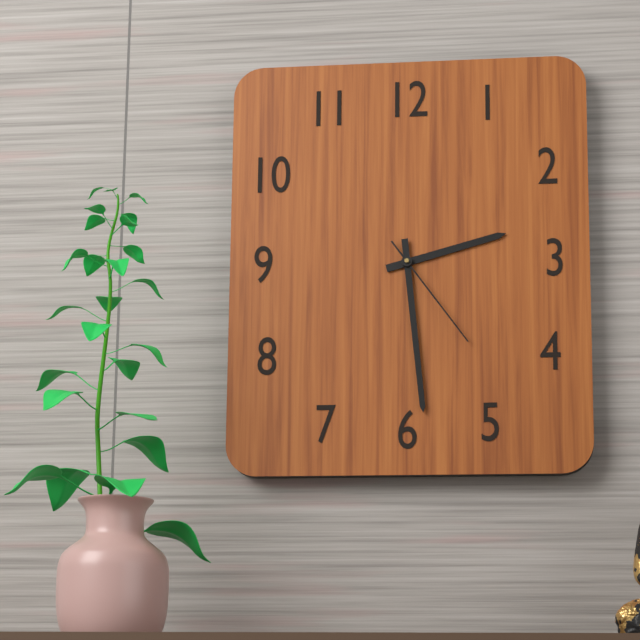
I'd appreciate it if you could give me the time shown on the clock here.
2:29:24
